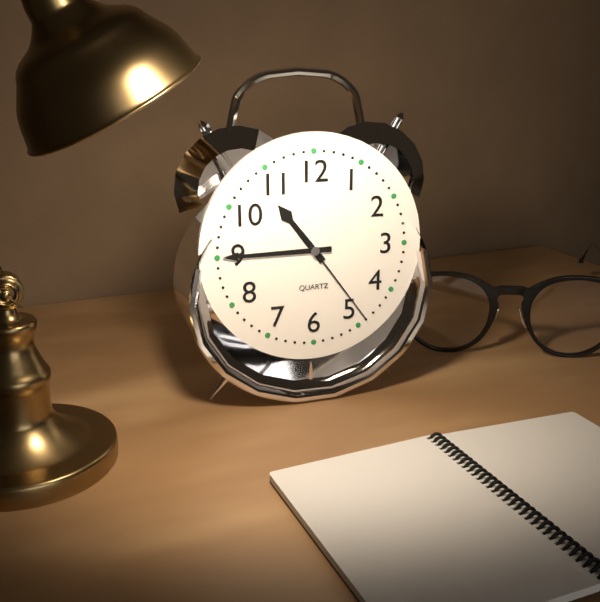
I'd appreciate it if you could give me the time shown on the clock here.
10:45:24
